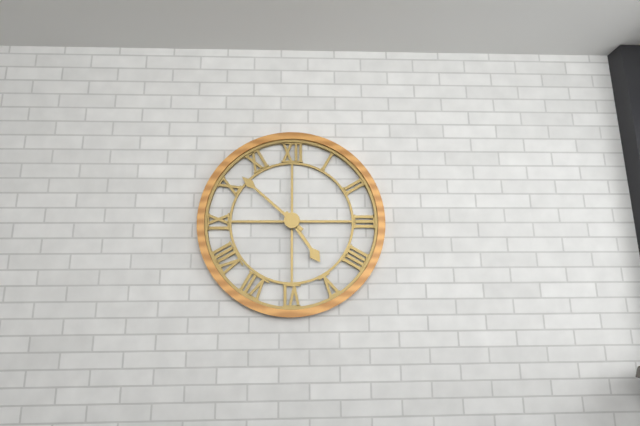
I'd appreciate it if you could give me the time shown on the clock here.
4:52
